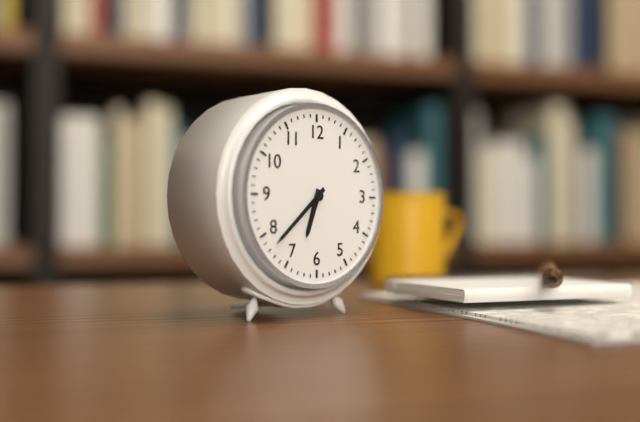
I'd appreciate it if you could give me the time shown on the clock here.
6:38
